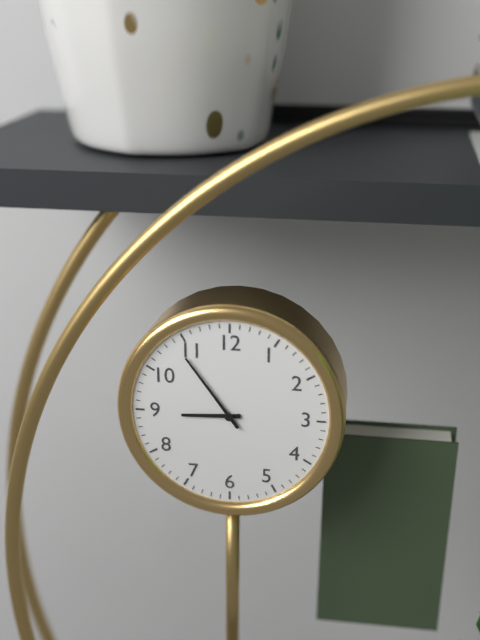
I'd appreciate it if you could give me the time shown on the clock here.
8:54
